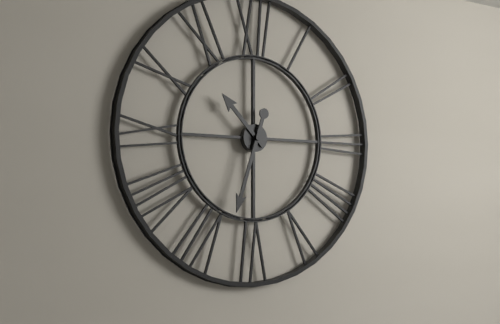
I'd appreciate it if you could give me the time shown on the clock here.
10:33
